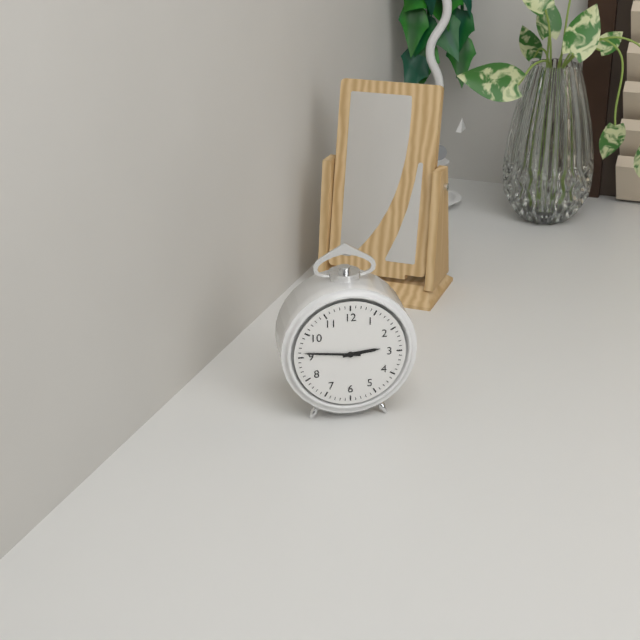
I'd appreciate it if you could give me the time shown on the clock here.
2:46
